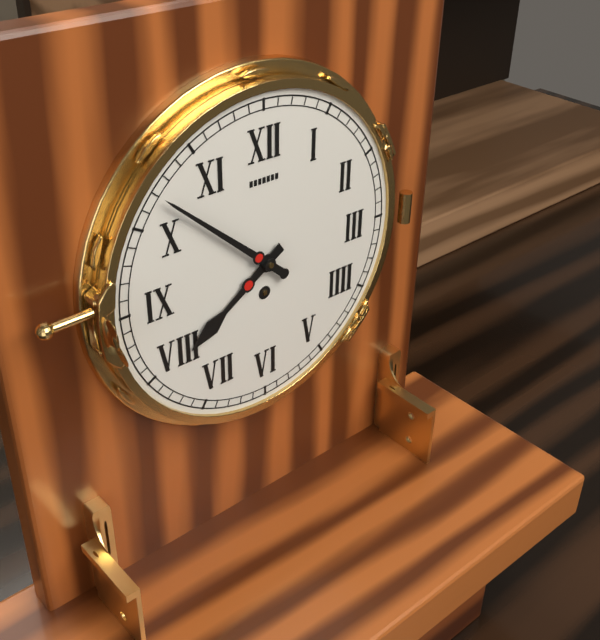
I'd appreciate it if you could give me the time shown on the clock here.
7:52
